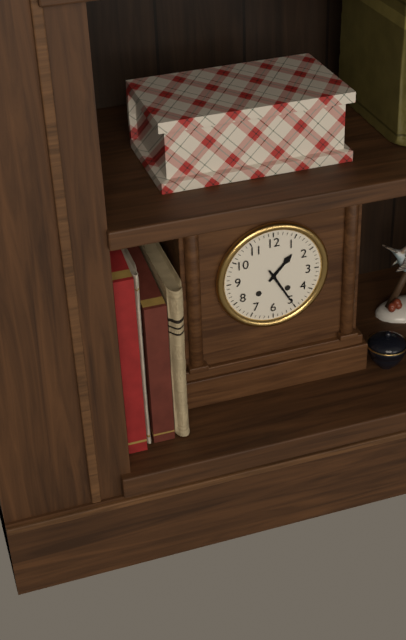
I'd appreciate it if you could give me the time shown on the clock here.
1:25
